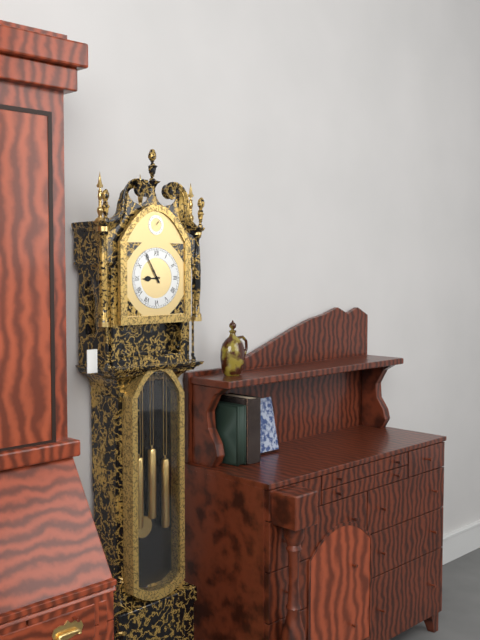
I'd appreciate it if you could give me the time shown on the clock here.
8:55
